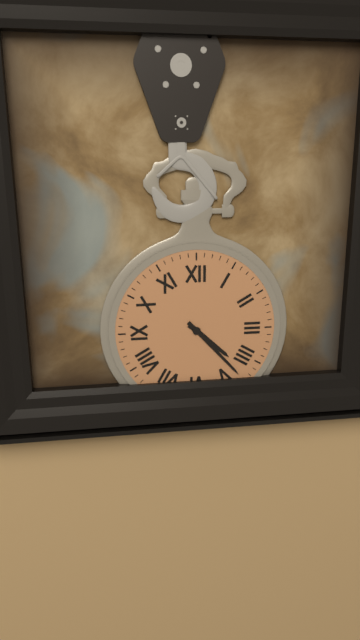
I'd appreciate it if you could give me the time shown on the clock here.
4:23
